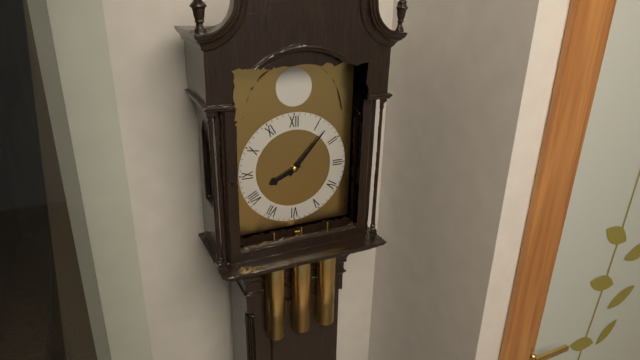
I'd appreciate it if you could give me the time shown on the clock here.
8:07
